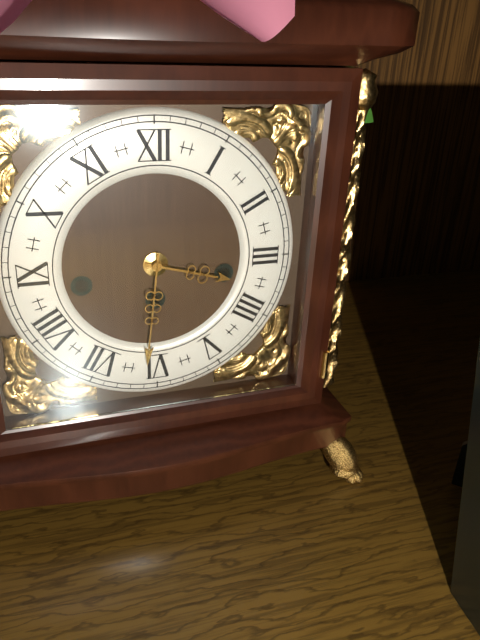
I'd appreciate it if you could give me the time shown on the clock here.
3:31
